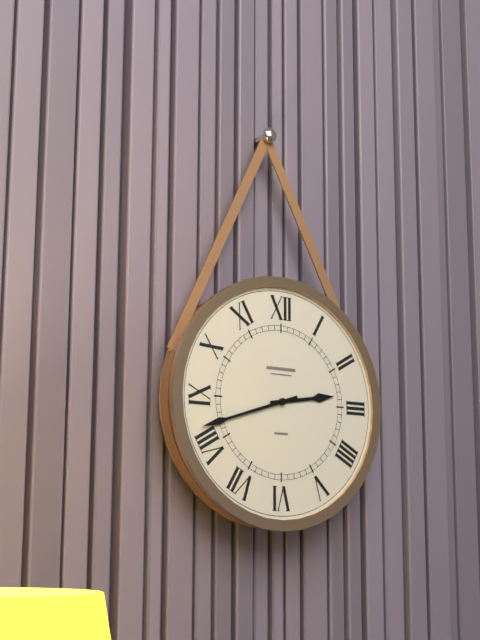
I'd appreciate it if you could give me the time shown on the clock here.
2:42
